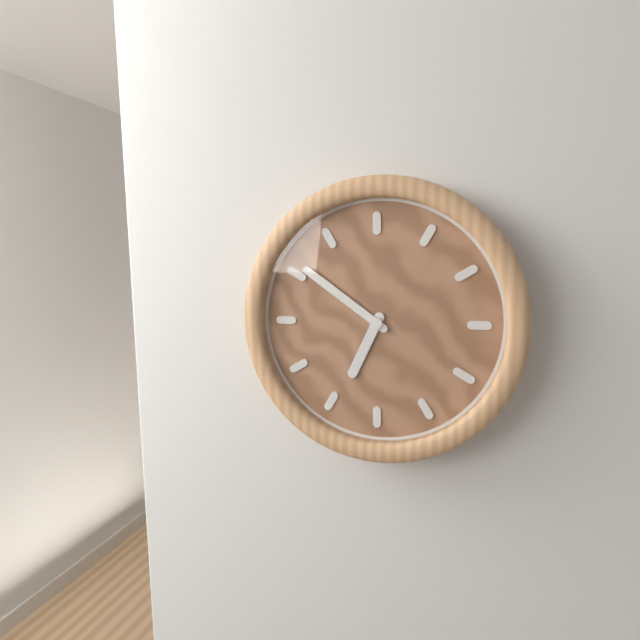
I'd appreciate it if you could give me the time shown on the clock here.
6:51
